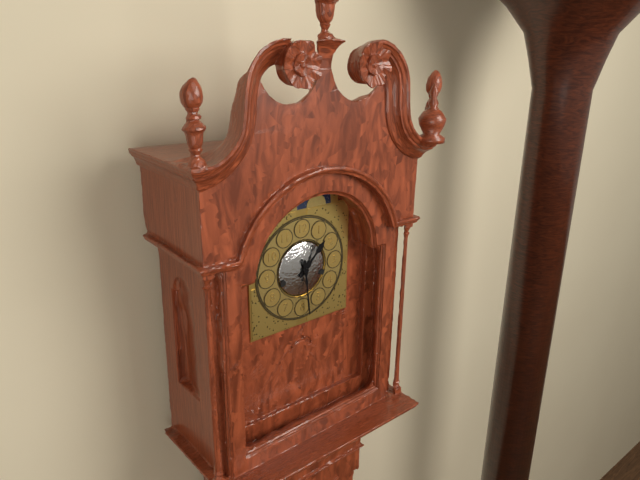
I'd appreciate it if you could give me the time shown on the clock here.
1:29
